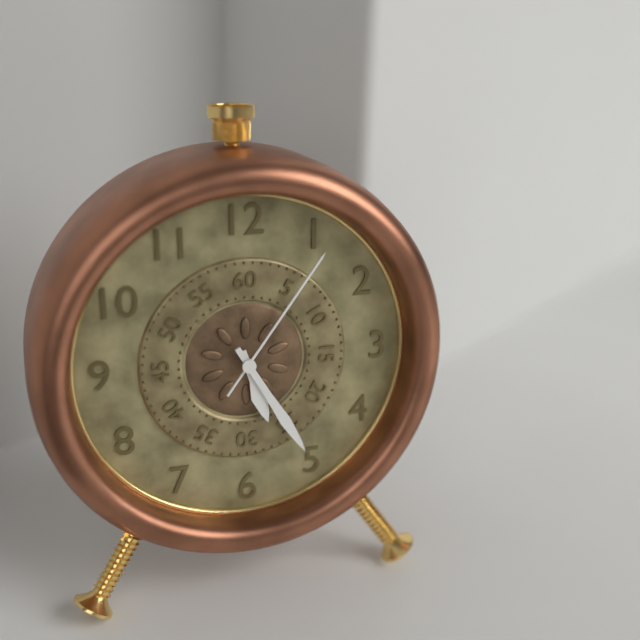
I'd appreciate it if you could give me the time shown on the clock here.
5:25:06
